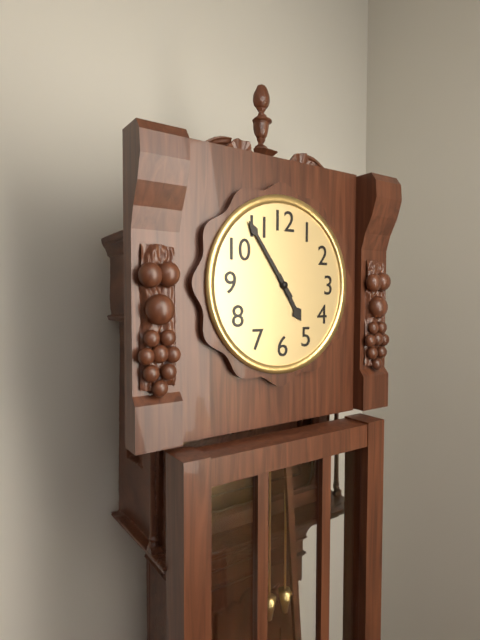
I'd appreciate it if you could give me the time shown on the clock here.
4:54
